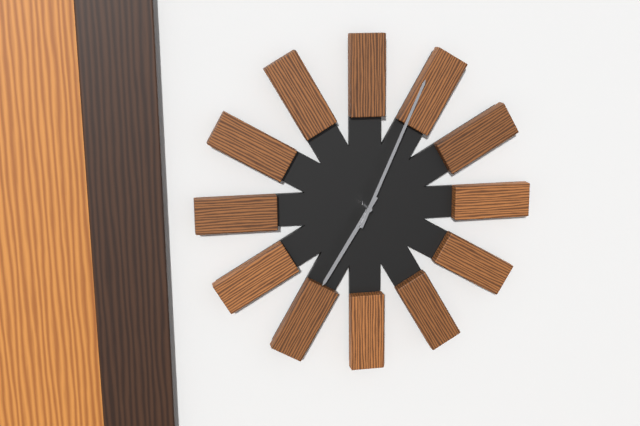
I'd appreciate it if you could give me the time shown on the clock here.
7:04
